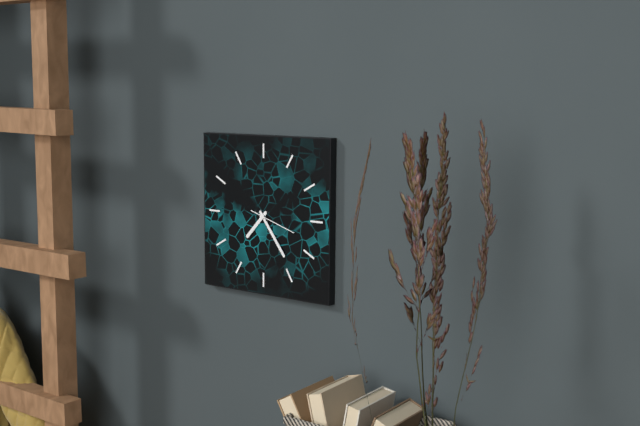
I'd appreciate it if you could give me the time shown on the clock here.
7:24
